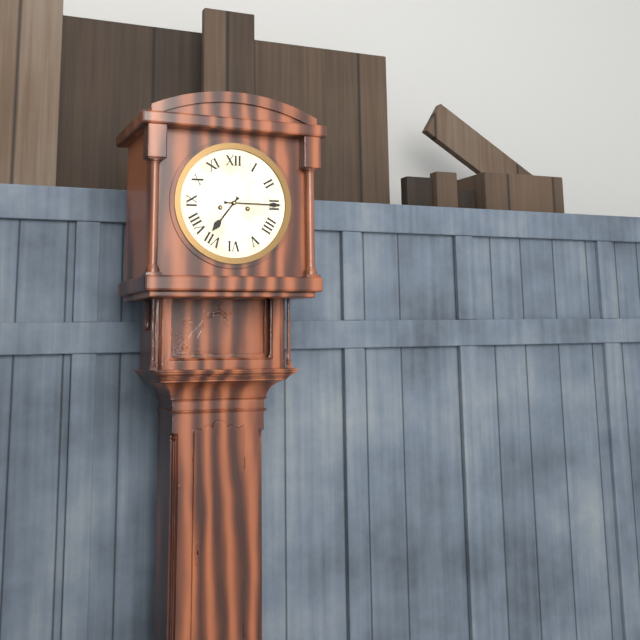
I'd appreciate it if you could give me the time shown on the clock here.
7:15
